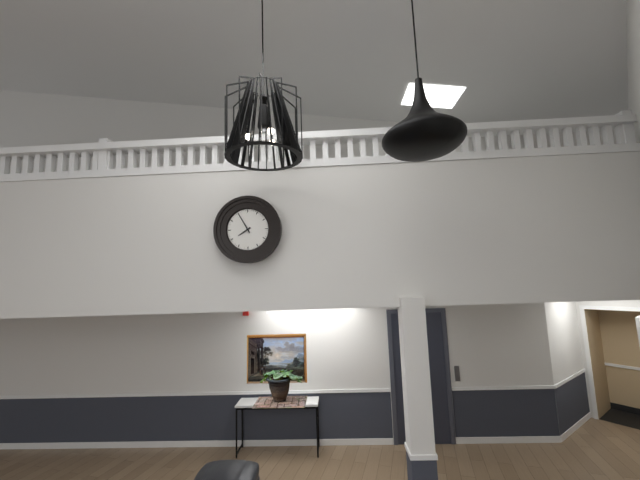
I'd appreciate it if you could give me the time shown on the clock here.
7:55
